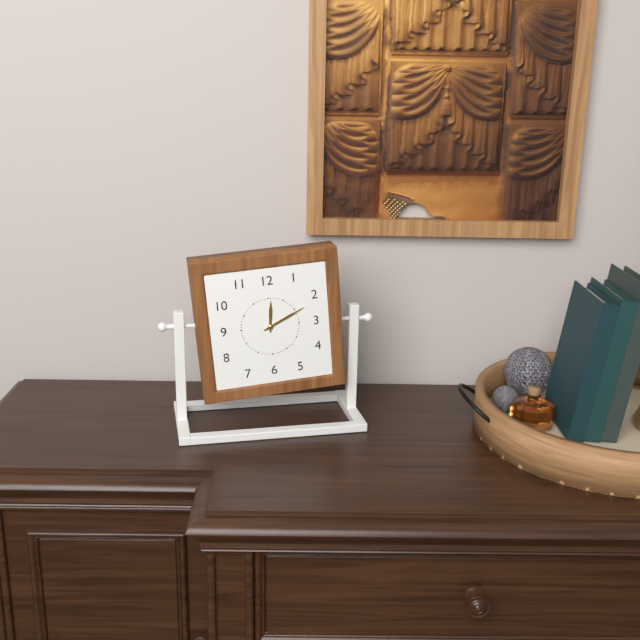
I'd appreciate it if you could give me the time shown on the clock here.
12:11
